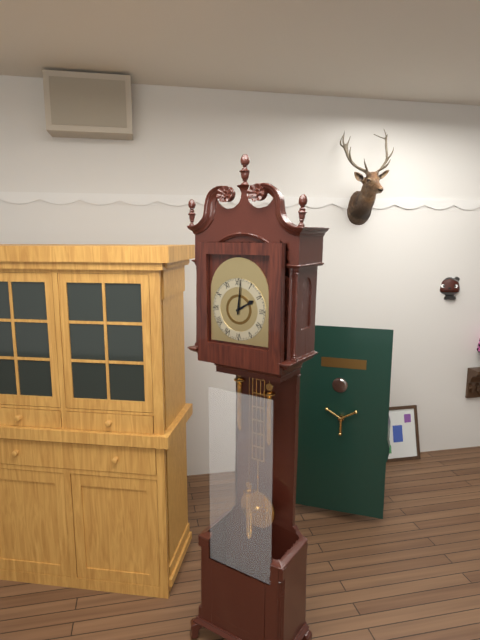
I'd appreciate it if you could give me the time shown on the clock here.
2:01
